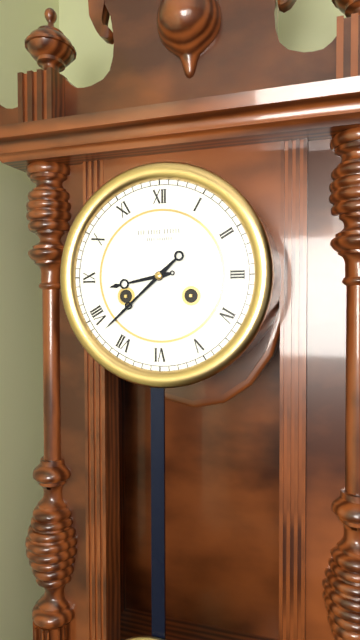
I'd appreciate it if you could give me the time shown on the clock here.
8:38
